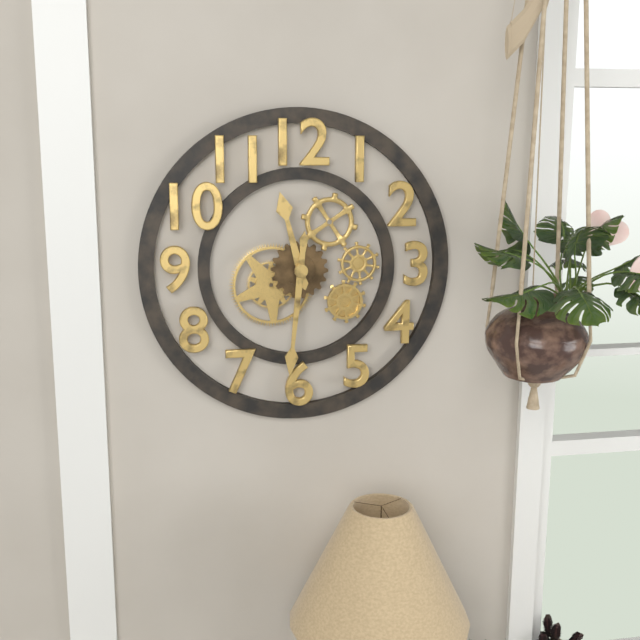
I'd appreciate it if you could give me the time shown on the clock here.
11:31
